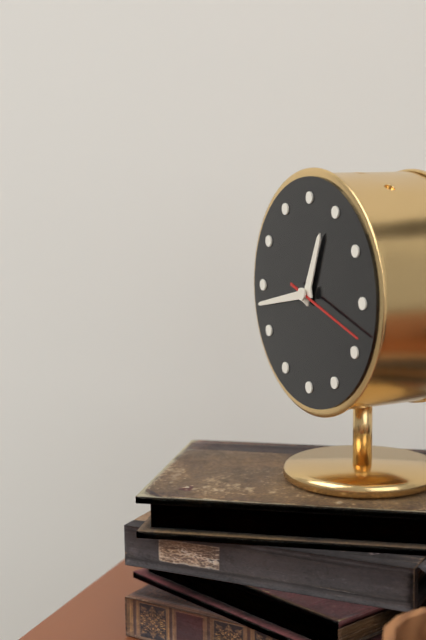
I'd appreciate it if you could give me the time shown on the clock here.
12:43:18
